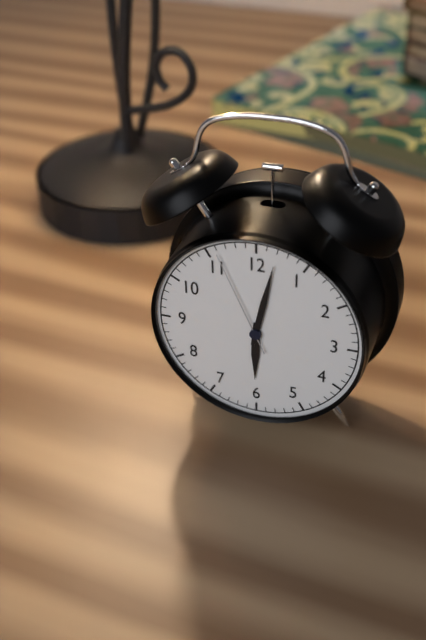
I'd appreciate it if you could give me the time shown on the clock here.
6:02:56
